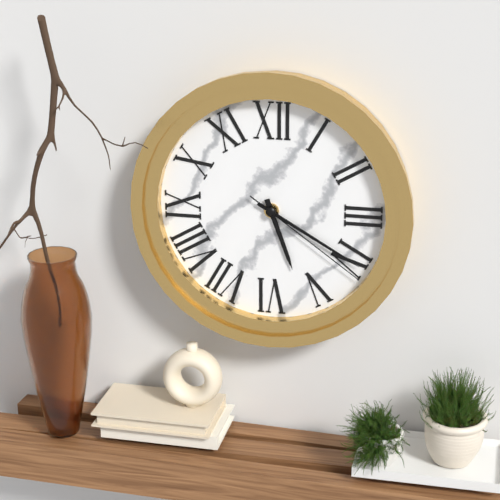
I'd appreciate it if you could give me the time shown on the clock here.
5:20:21
